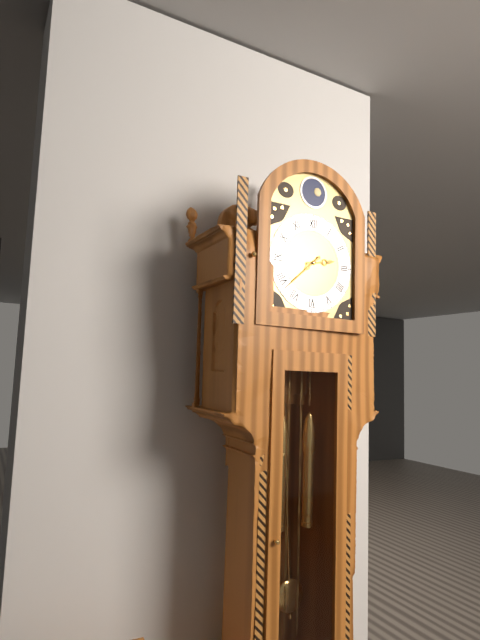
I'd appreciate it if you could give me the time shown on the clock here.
2:38
